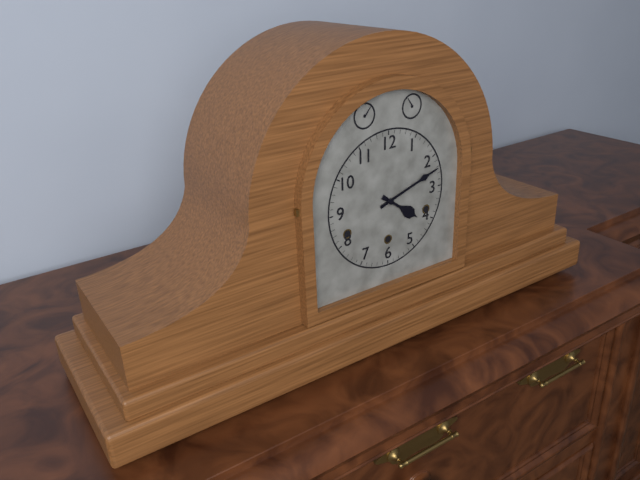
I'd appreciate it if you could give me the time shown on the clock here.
4:12
